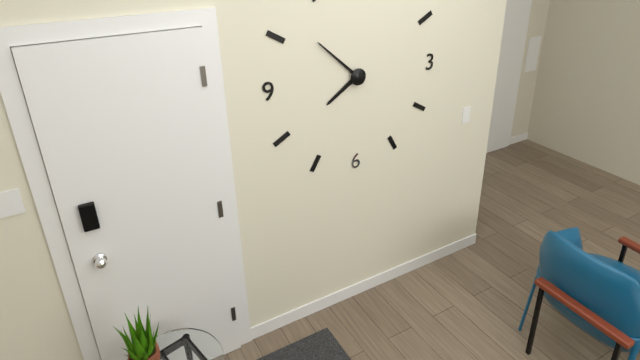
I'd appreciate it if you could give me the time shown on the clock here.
7:52
